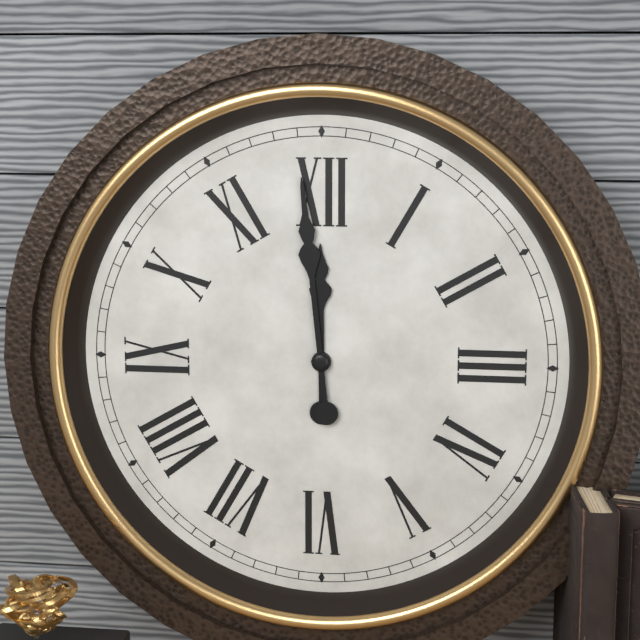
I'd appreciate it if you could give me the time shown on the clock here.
11:59
